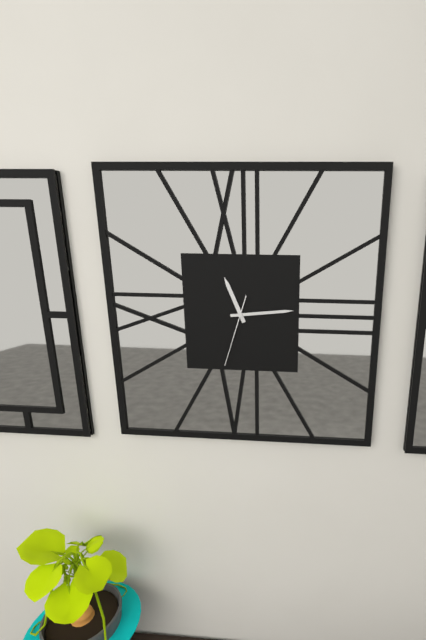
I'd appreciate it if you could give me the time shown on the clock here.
11:14:33
